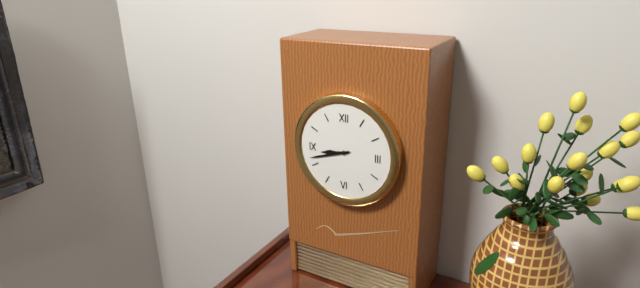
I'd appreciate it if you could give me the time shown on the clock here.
8:42
